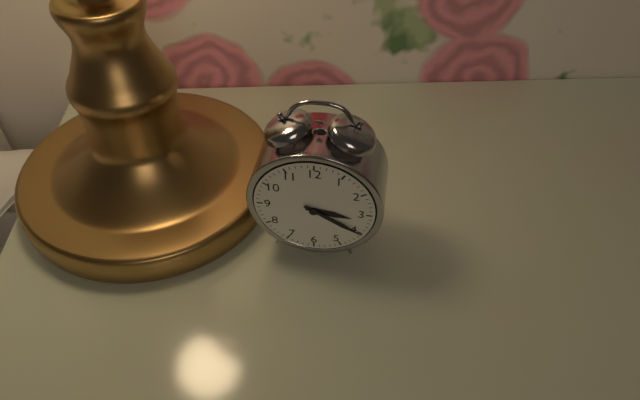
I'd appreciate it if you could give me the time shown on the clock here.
3:20
